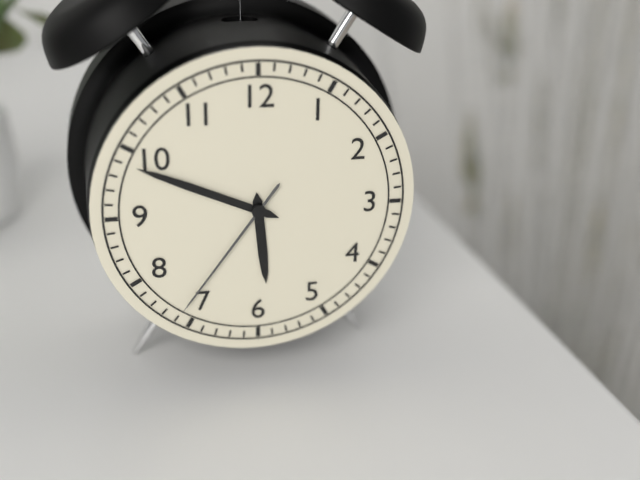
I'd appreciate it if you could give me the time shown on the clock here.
5:49:36
